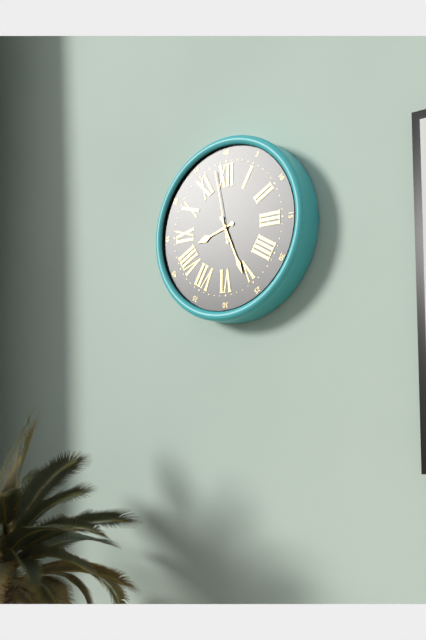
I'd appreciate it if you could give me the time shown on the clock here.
8:26:58
